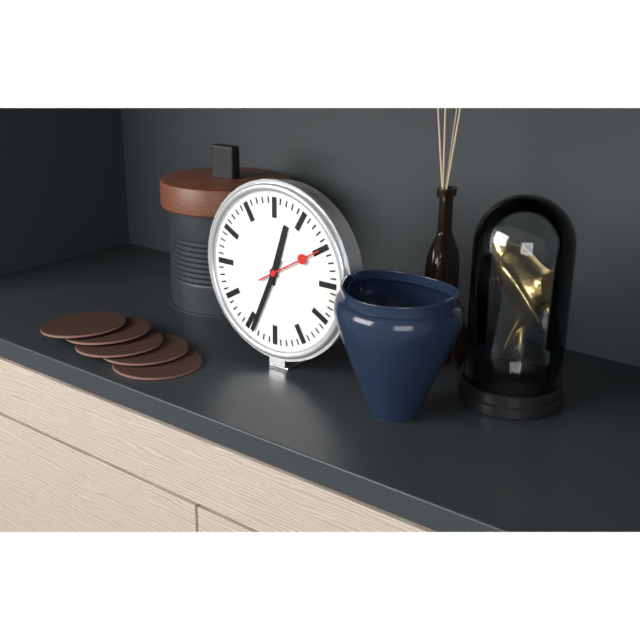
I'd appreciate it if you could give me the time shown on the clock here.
12:34:10
